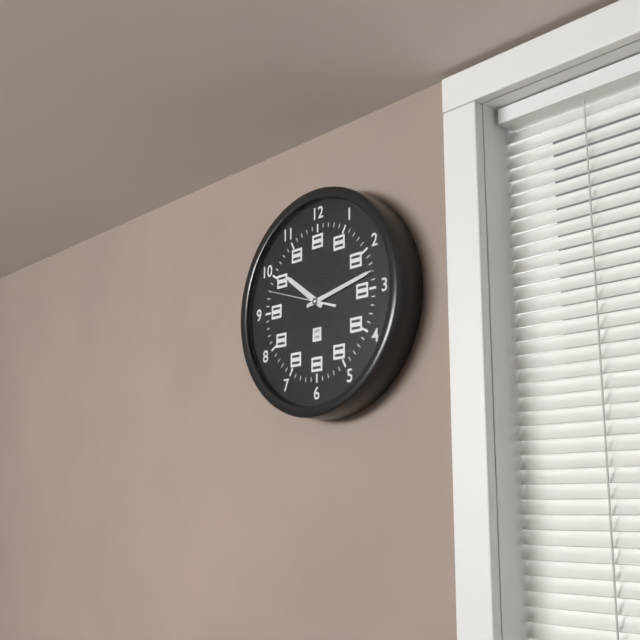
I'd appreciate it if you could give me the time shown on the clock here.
10:13:48
